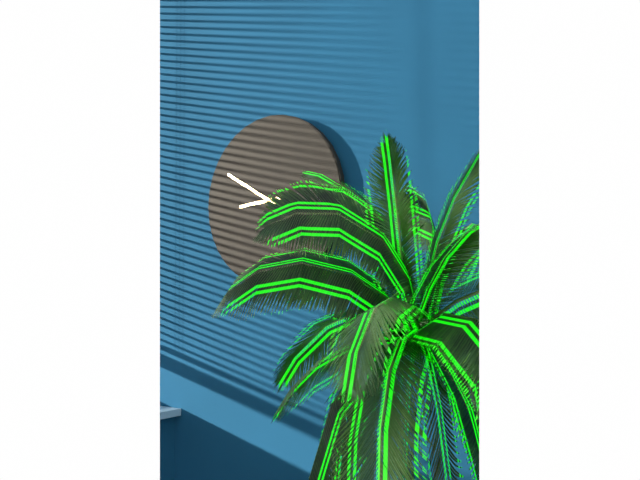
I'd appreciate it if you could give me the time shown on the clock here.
8:50
